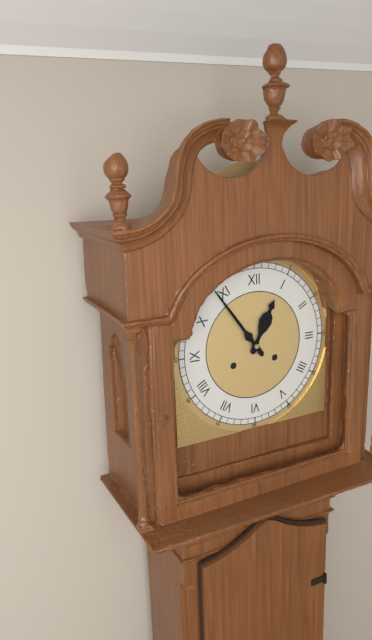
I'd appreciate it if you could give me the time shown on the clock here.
12:54
